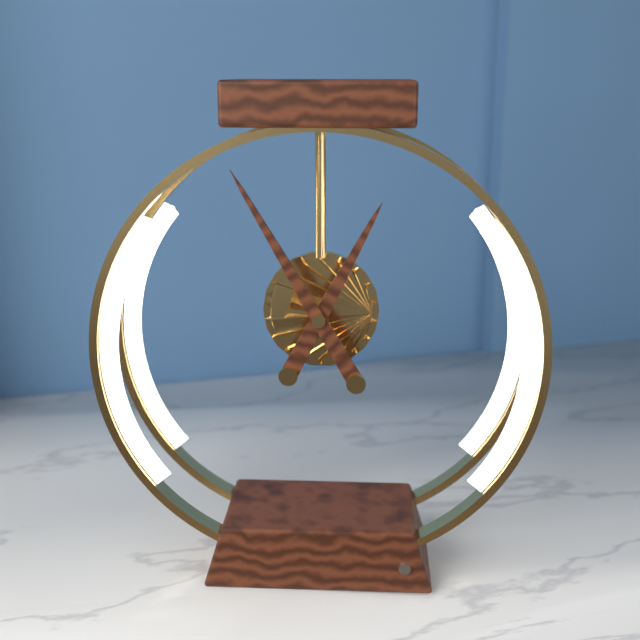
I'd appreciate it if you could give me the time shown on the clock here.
12:55
